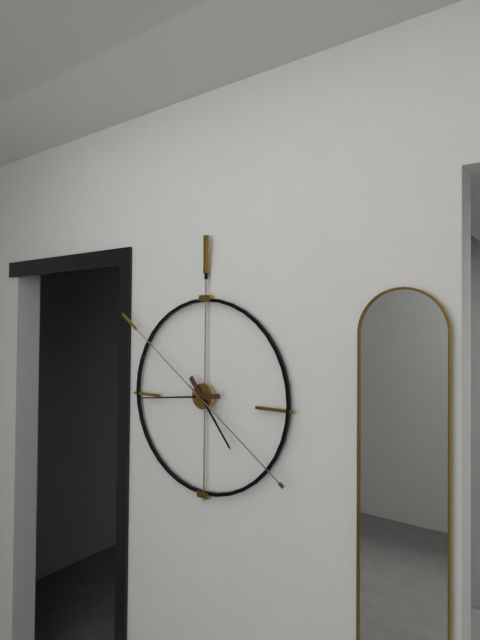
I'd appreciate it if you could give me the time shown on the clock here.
4:44:51
